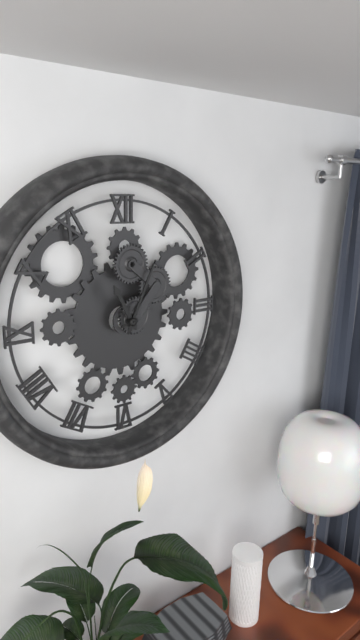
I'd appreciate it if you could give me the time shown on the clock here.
11:04
